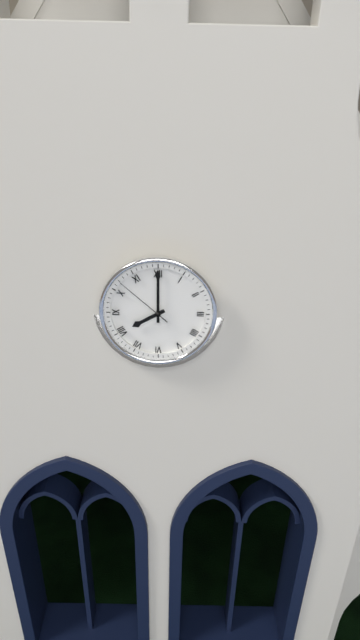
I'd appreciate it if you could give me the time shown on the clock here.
8:00:52
